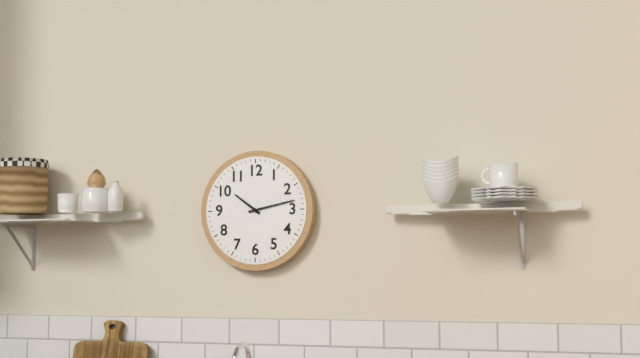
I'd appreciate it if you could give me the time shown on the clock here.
10:13
